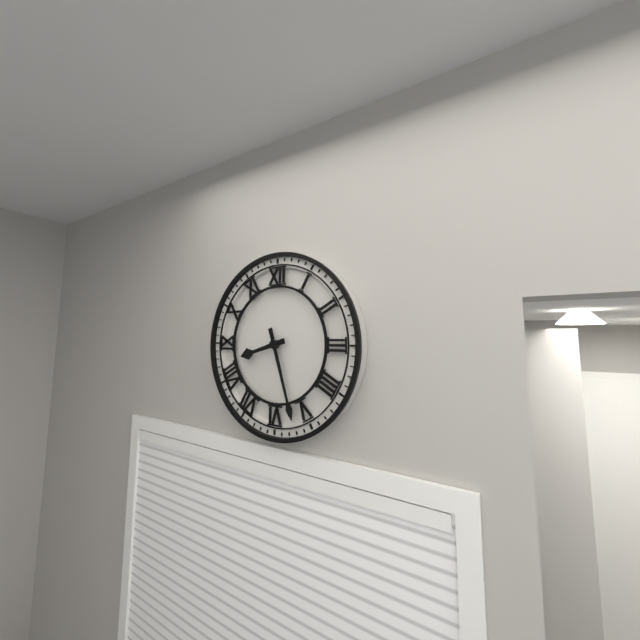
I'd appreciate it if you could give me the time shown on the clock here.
8:27
